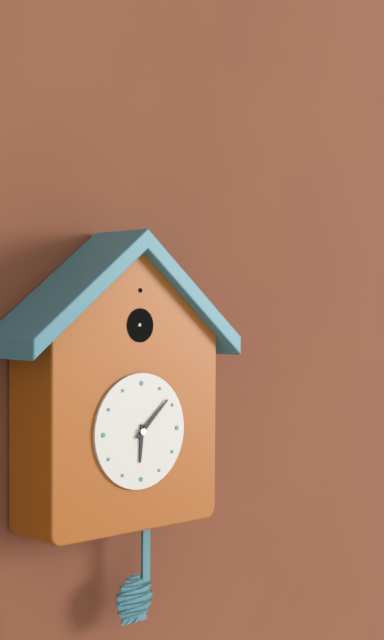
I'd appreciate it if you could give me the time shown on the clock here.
6:08
